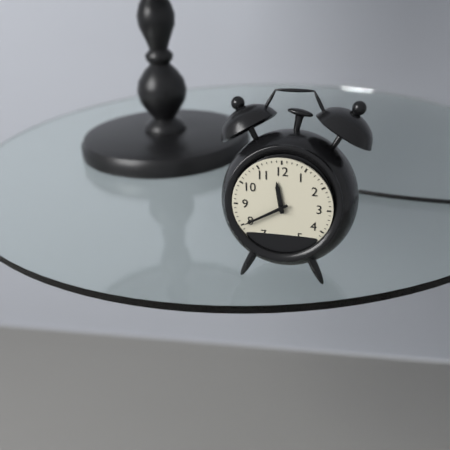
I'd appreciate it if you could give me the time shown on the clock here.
11:40
